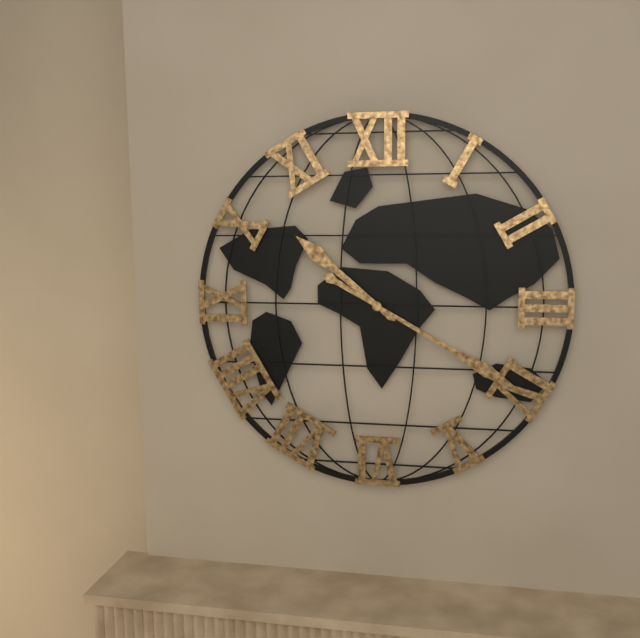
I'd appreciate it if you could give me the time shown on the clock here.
10:20
